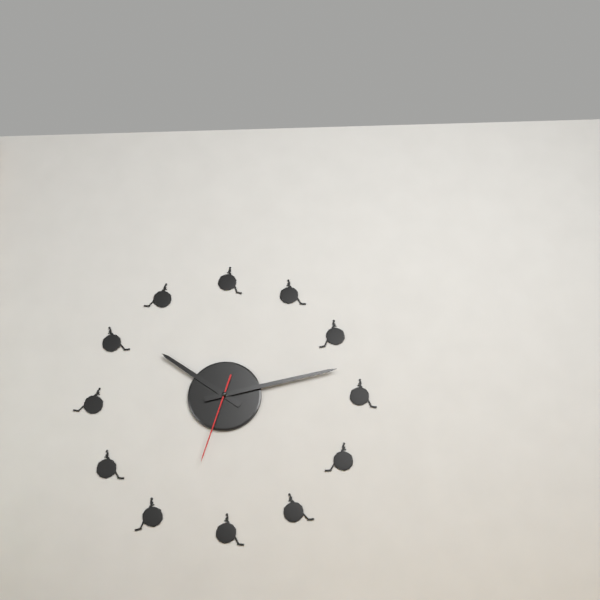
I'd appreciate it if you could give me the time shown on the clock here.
10:13:33
